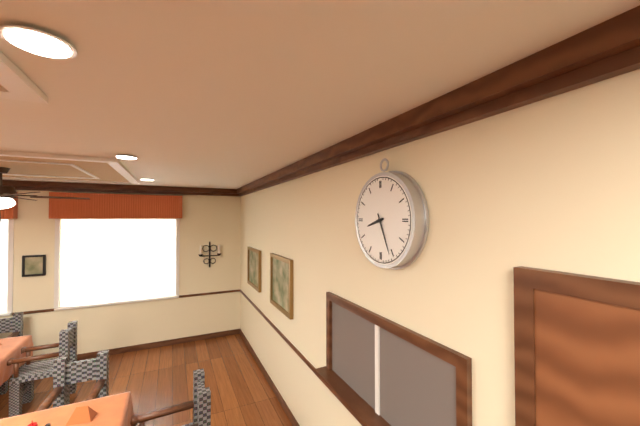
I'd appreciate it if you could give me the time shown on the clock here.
8:26
